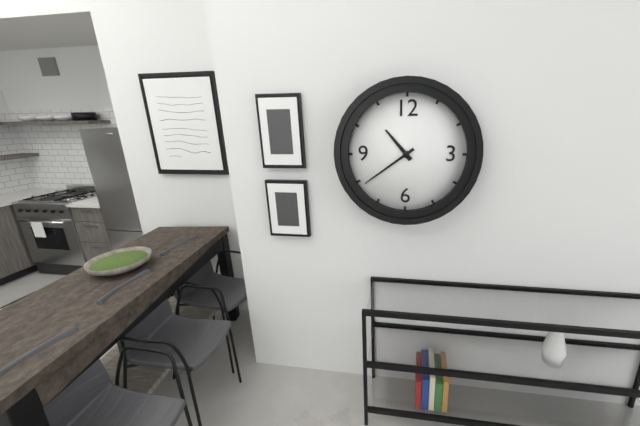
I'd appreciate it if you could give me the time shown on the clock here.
10:39
